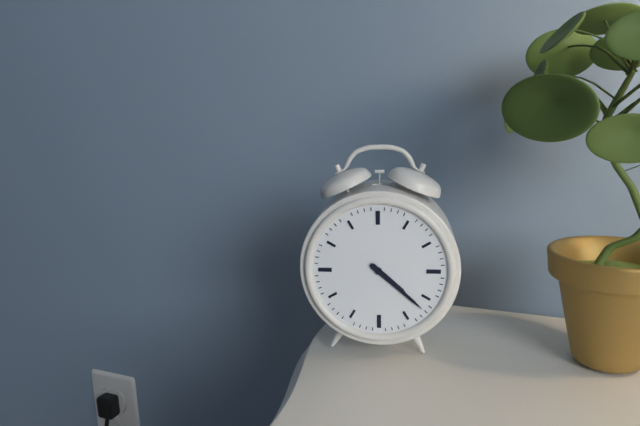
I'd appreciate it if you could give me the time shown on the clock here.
4:22
